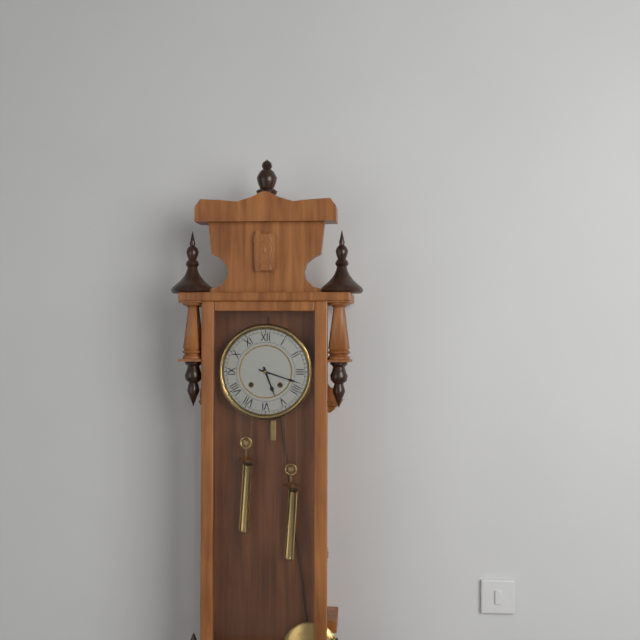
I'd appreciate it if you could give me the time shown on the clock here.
5:18
